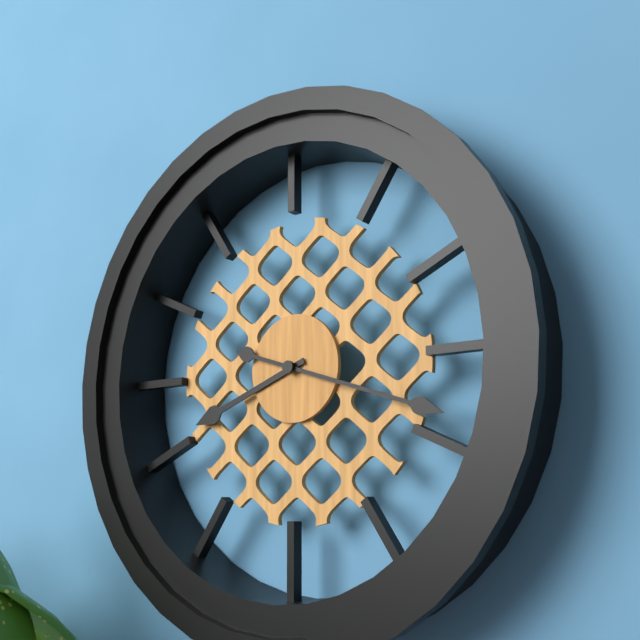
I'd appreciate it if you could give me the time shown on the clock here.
8:18
